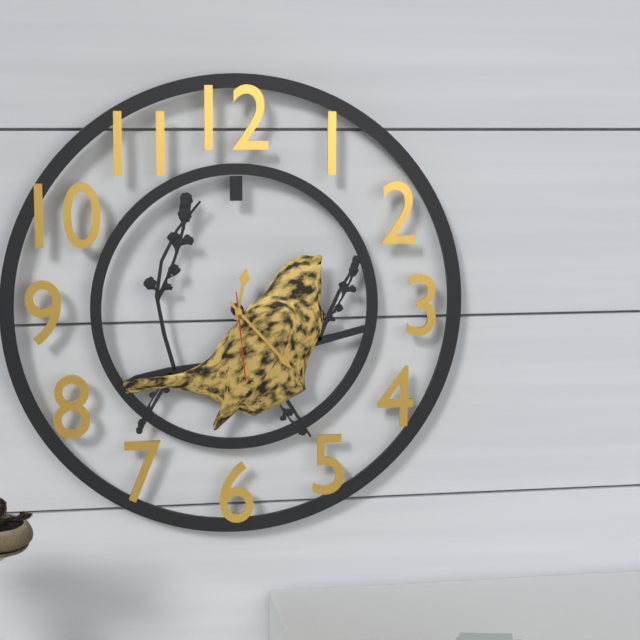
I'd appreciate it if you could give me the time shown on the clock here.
12:23:29
